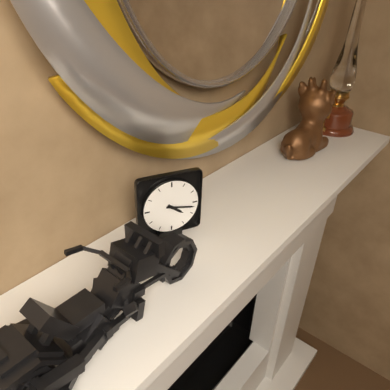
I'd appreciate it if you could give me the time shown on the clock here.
4:17
